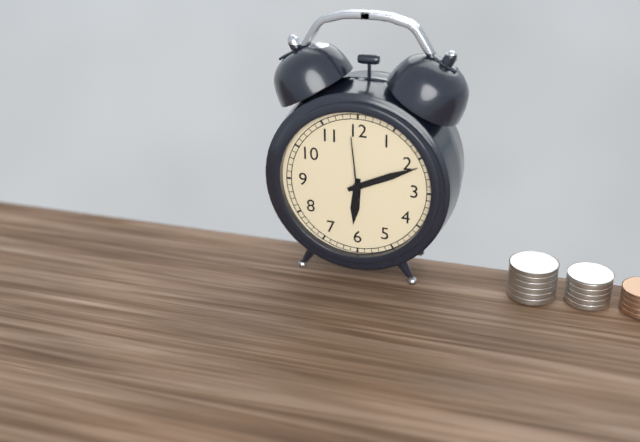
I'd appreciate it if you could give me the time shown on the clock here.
6:11:59
